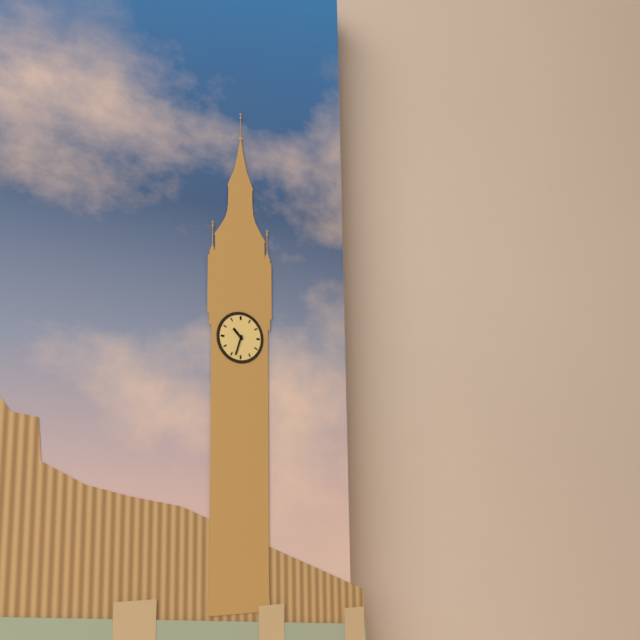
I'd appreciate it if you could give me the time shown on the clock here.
10:33
